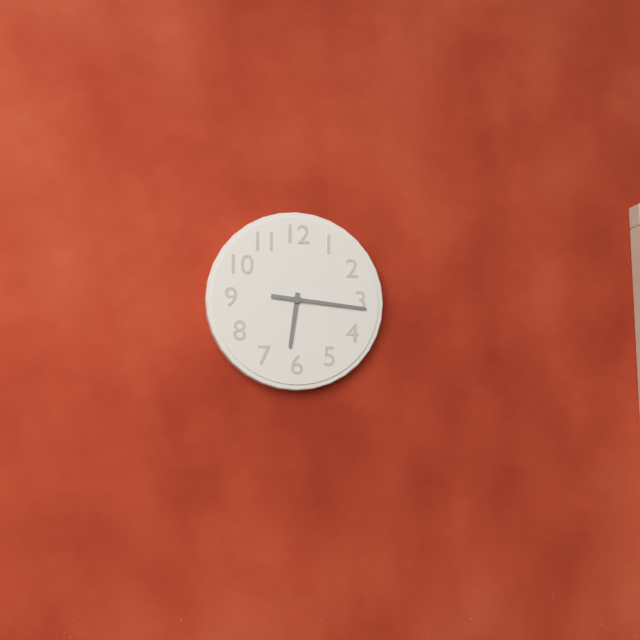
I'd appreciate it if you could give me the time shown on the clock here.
6:16
